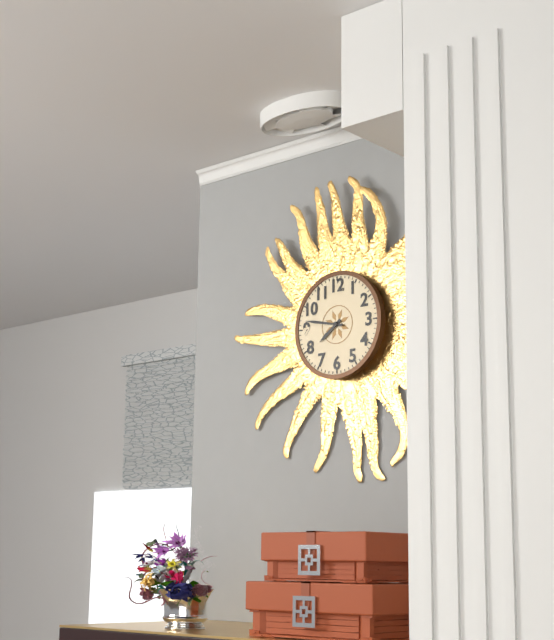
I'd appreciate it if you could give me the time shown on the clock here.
7:47
